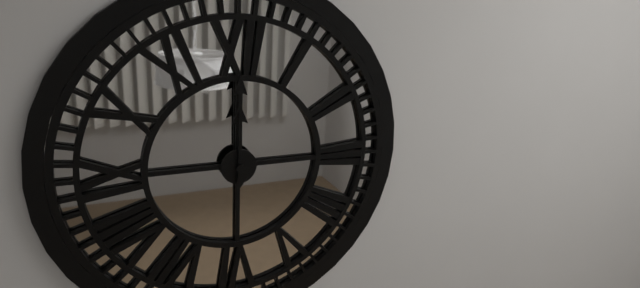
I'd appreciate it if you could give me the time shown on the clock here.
12:00
